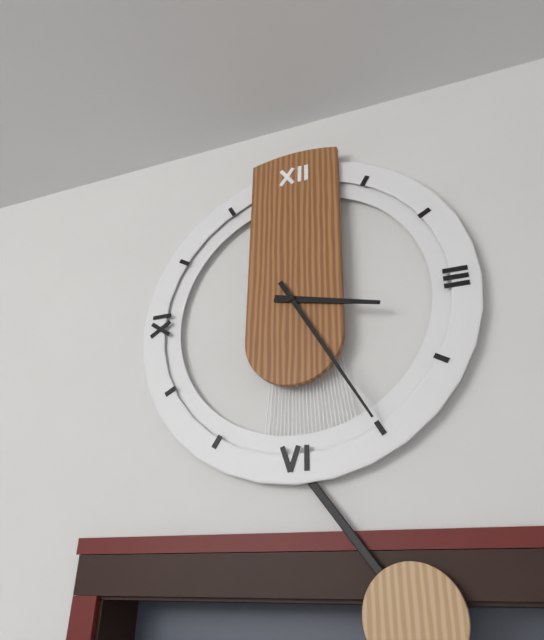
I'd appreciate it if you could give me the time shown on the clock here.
3:25
